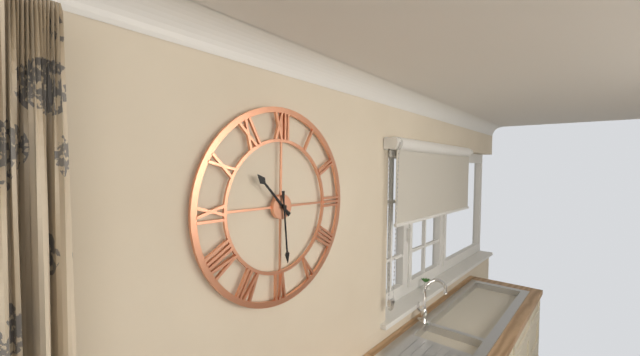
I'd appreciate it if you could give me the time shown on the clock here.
10:29
